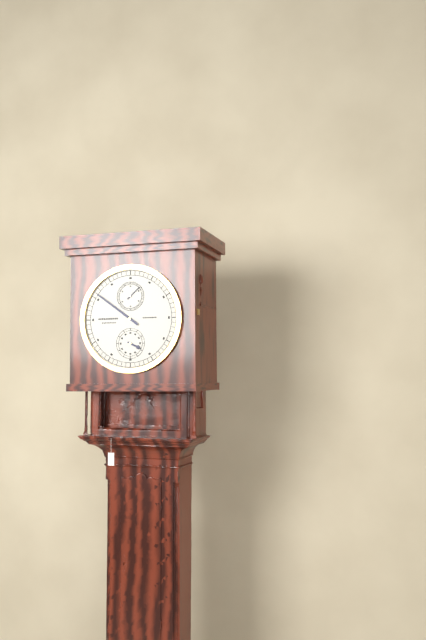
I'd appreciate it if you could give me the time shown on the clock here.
3:51
